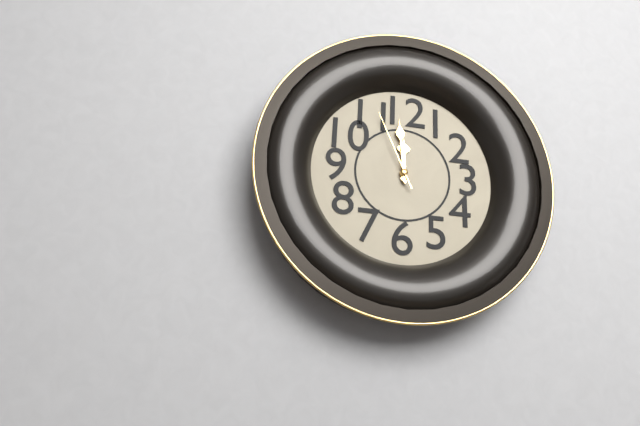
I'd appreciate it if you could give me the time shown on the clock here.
11:59:56
